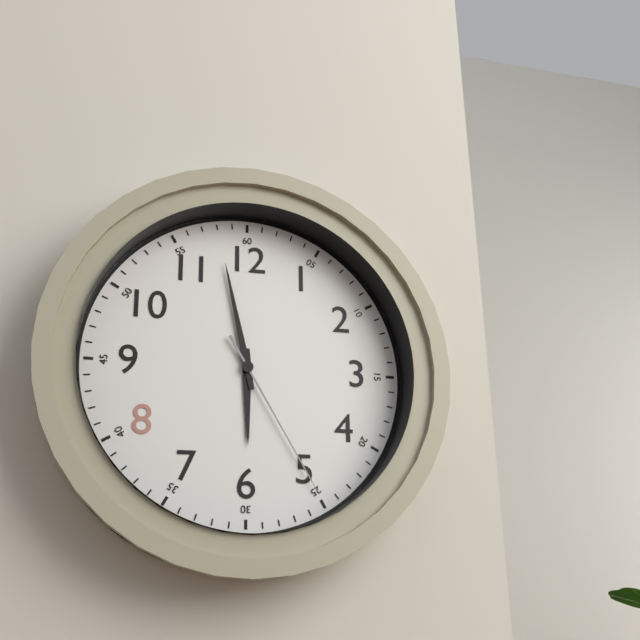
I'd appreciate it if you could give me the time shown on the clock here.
5:58:25
